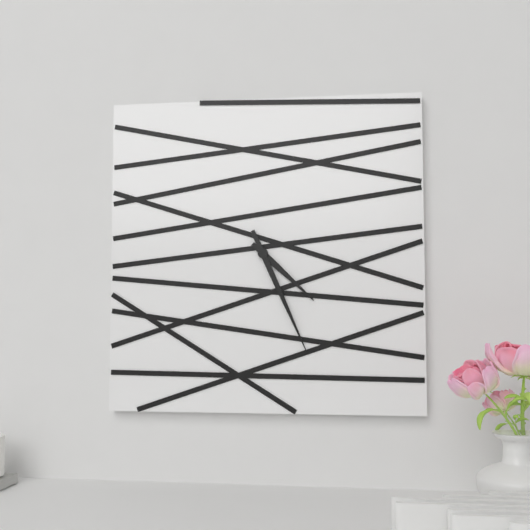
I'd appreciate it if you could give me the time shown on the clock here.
4:26
